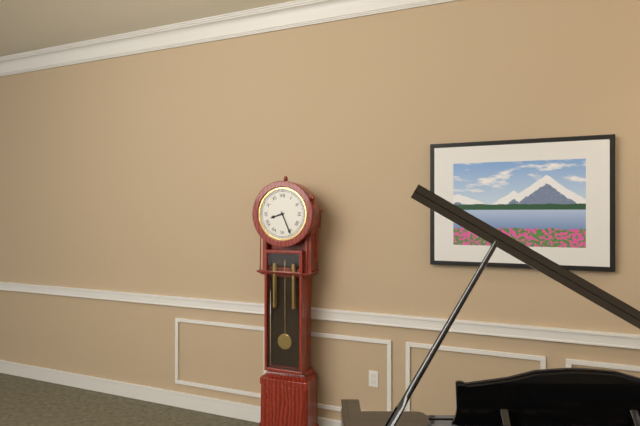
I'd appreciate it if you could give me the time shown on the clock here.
8:26
